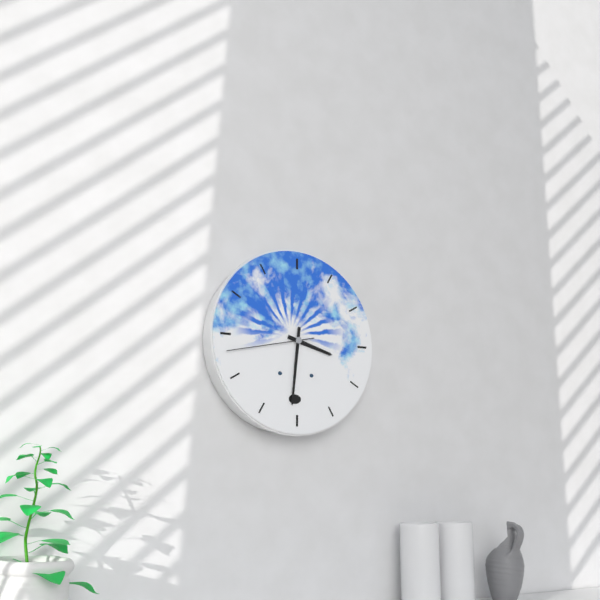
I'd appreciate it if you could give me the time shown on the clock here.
3:31:43
